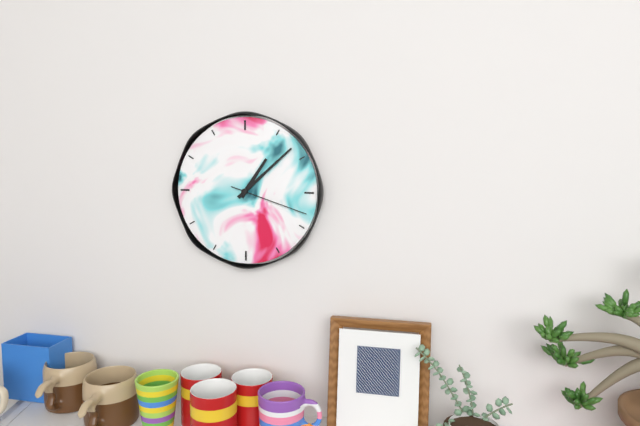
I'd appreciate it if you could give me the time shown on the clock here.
1:08:18
